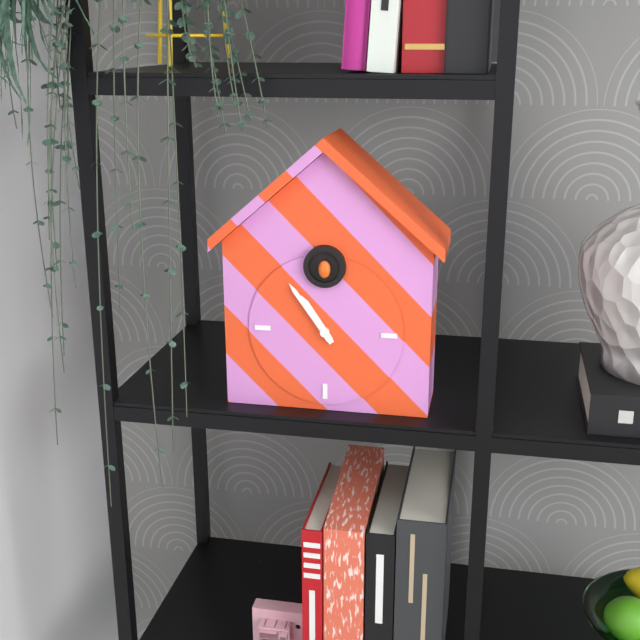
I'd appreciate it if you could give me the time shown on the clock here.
10:54
